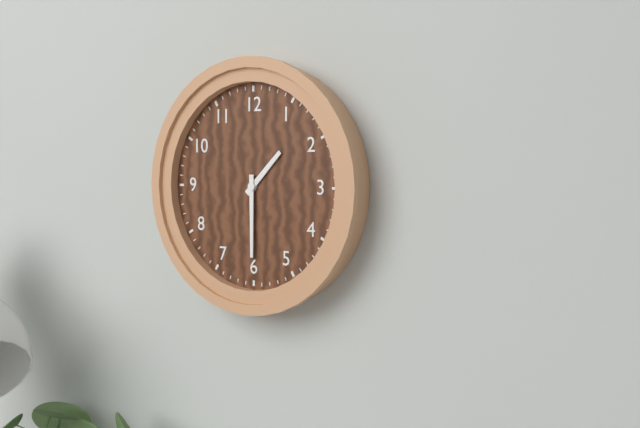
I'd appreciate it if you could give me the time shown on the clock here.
1:30
